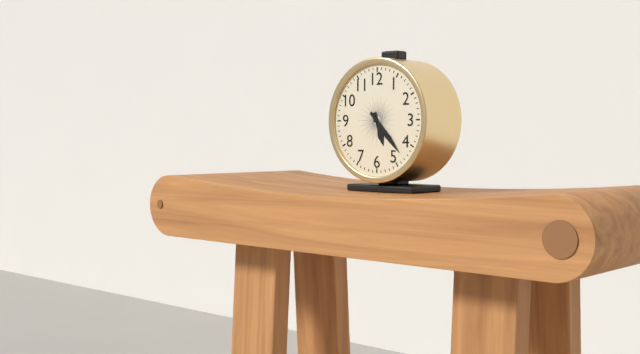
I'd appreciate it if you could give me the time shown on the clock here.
5:23
